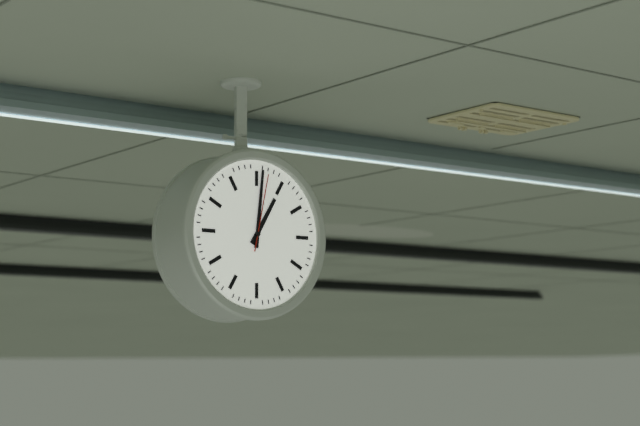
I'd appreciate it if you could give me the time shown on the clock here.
1:01:02
